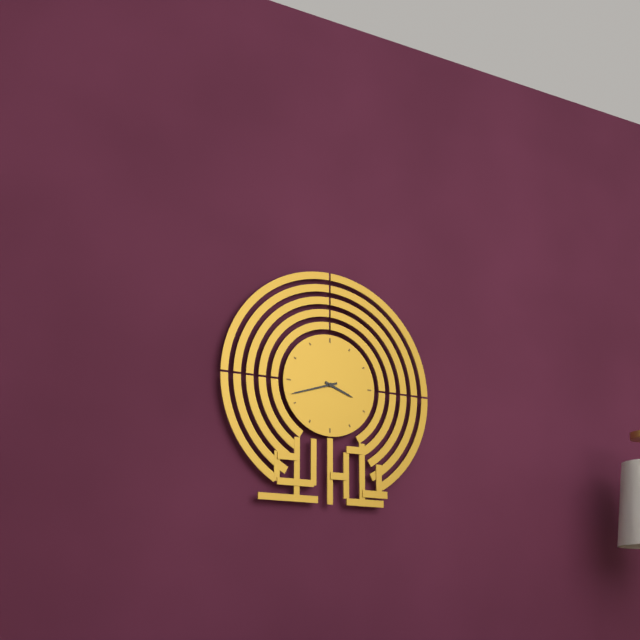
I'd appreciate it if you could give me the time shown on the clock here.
3:42
